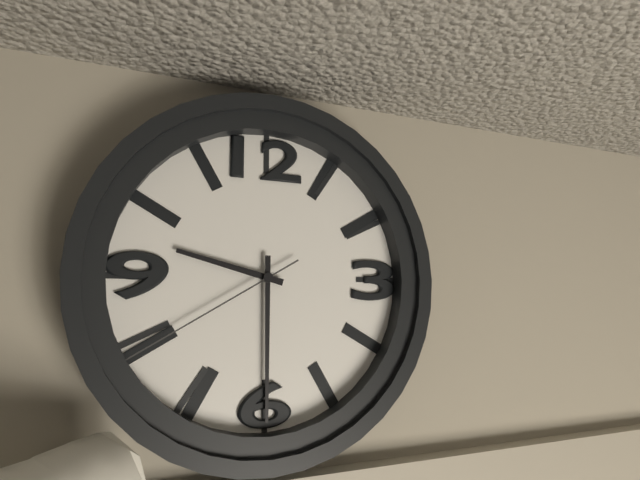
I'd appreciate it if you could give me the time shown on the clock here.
9:30:40
